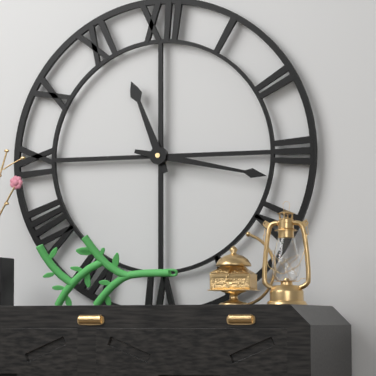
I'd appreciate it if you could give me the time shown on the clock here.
11:17
